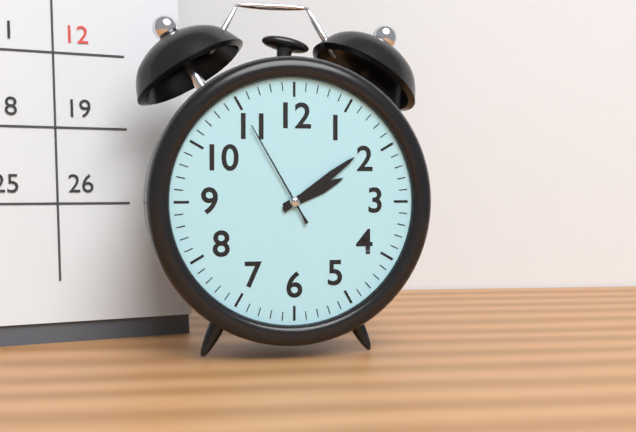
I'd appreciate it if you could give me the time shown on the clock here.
2:09:55
